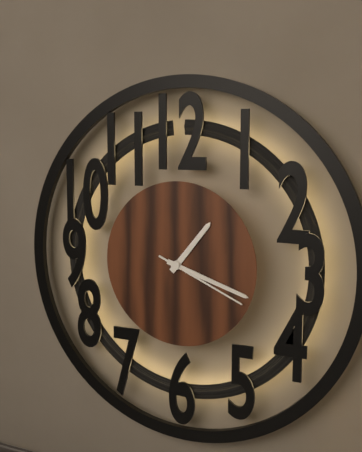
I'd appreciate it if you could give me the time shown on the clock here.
1:18:19
